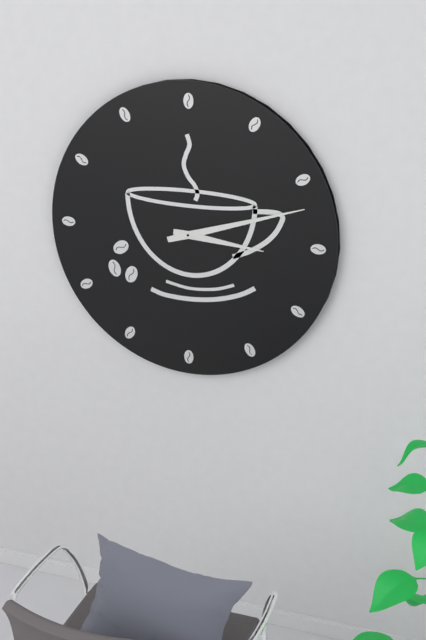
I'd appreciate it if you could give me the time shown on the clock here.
3:12
